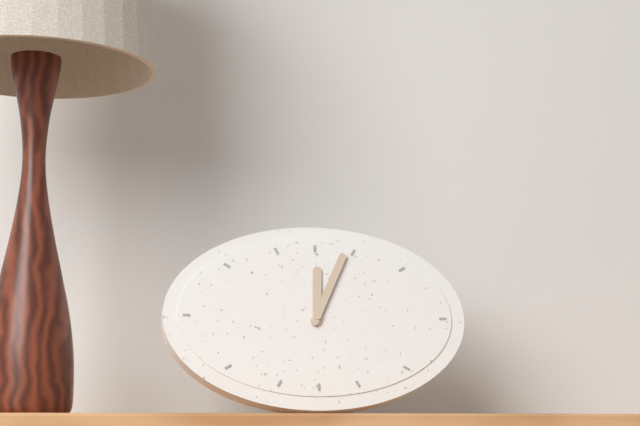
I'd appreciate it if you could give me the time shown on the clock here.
12:04
